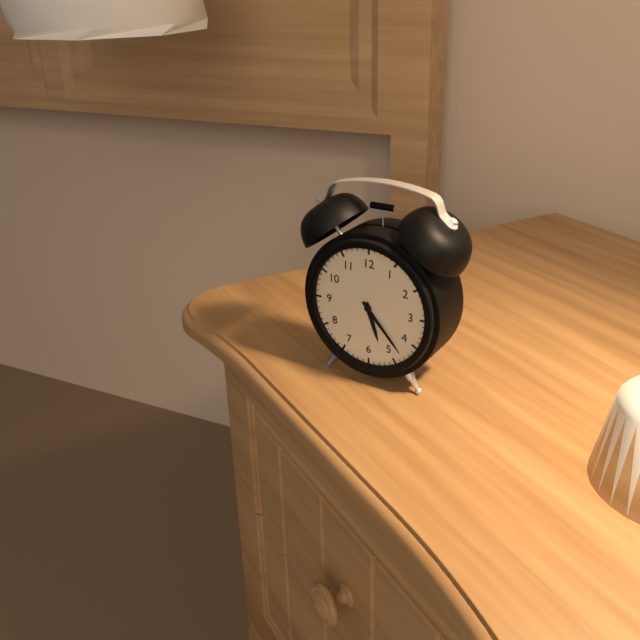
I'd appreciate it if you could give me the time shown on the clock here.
5:23
